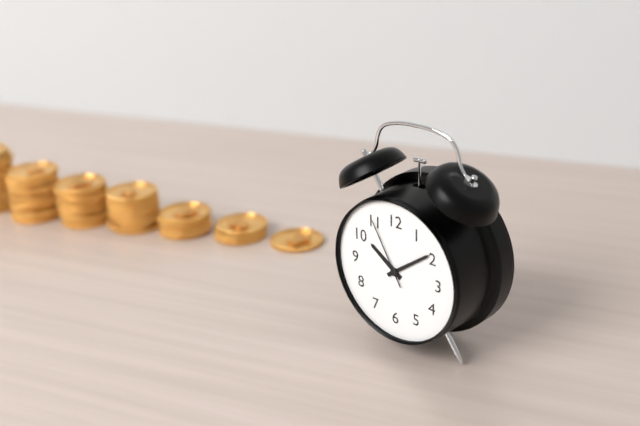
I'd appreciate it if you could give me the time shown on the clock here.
10:09:55
